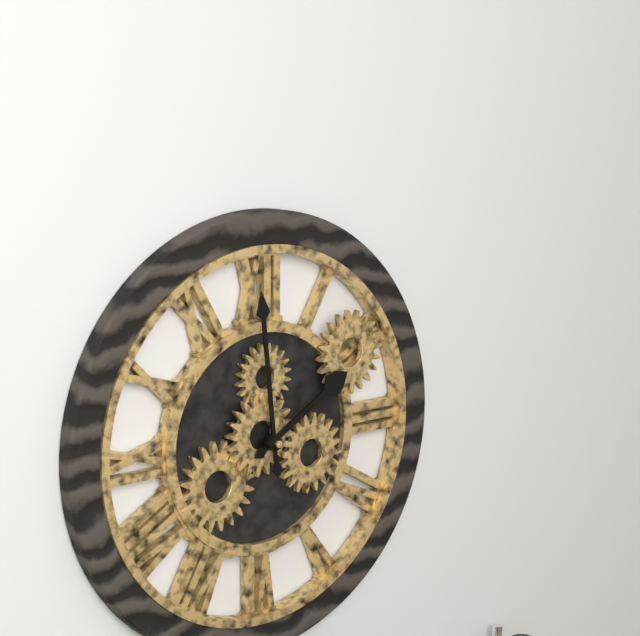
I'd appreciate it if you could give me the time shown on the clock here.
1:59
